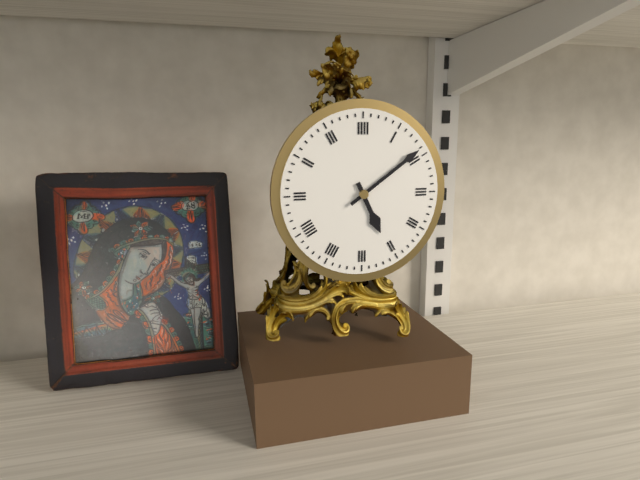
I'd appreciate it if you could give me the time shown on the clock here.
5:09
